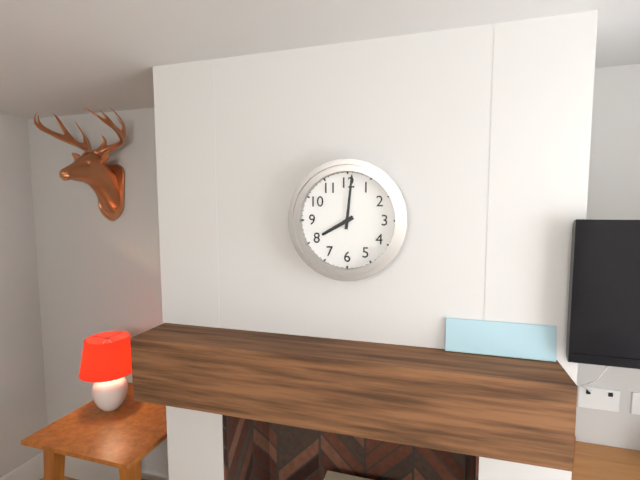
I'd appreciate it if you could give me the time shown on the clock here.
8:01
